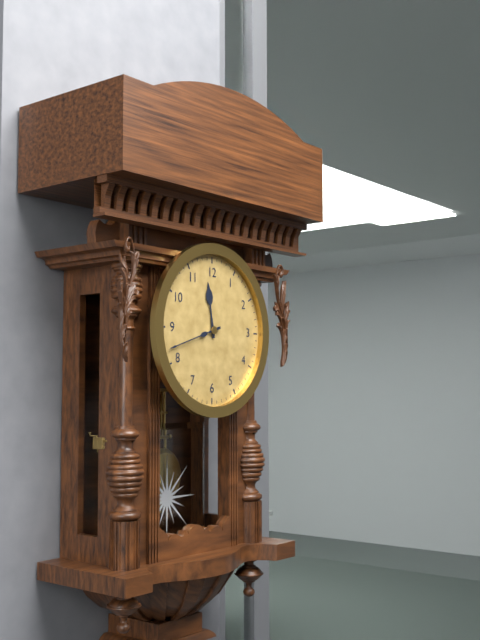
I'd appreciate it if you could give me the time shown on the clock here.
11:42
